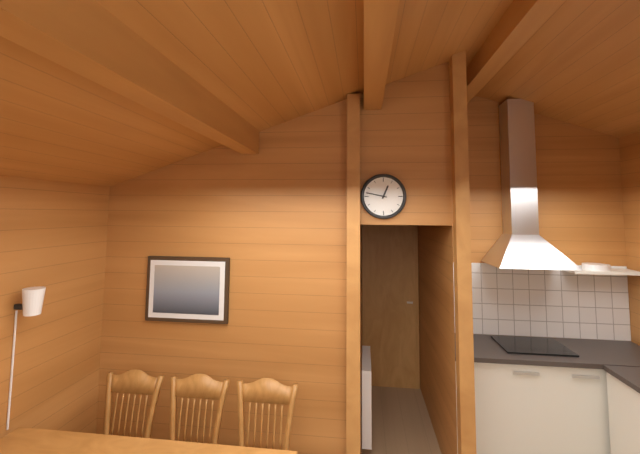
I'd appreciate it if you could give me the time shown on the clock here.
12:47
